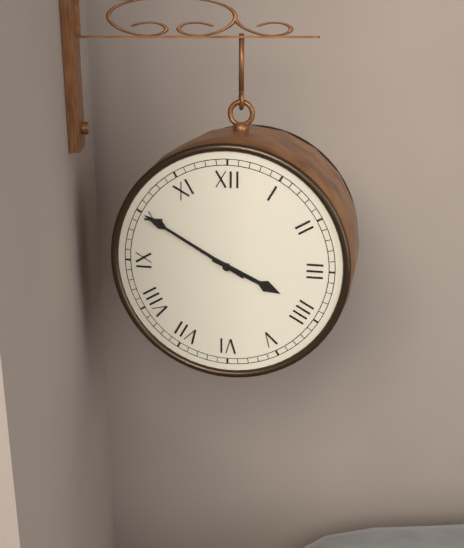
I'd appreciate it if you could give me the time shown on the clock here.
3:50
